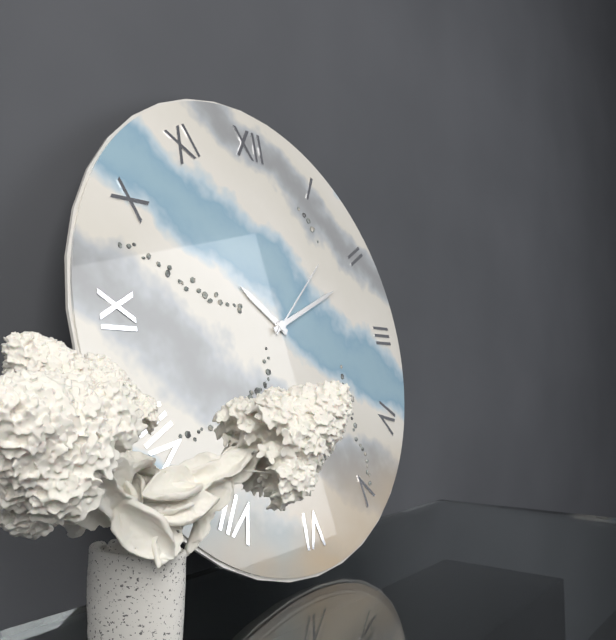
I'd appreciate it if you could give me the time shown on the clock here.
10:11:08
